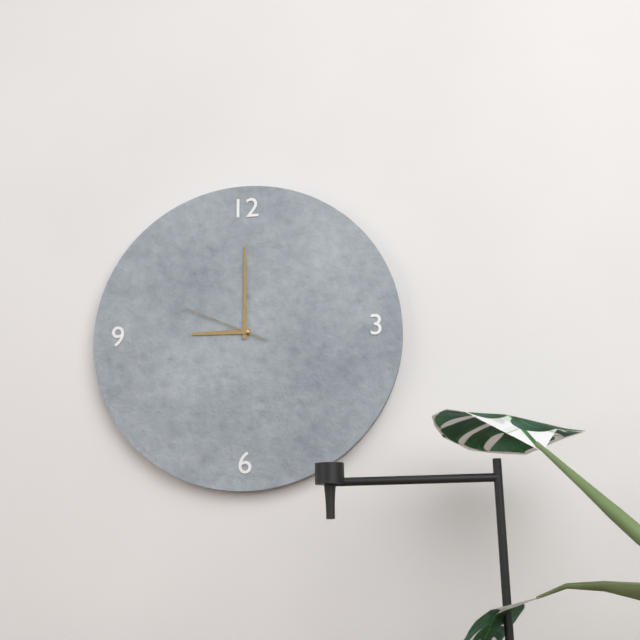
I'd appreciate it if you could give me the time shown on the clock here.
9:00:49
